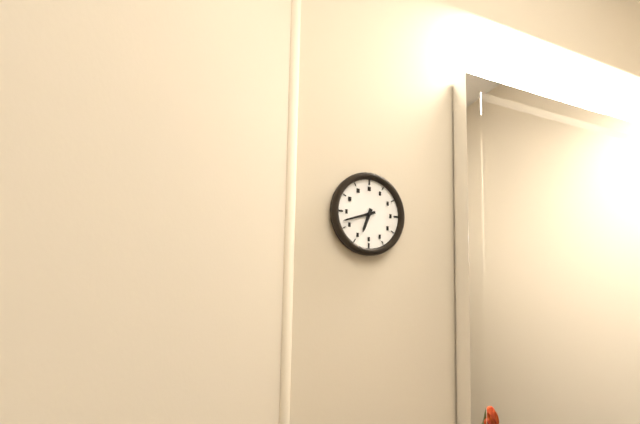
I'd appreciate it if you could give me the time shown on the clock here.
6:42
